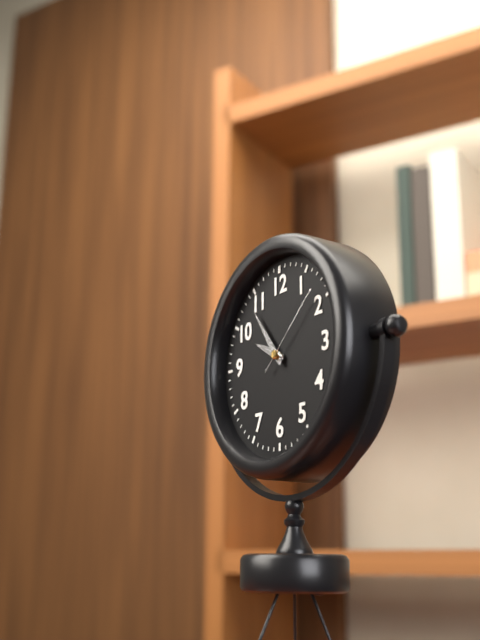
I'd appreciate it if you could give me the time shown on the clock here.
9:54:08
